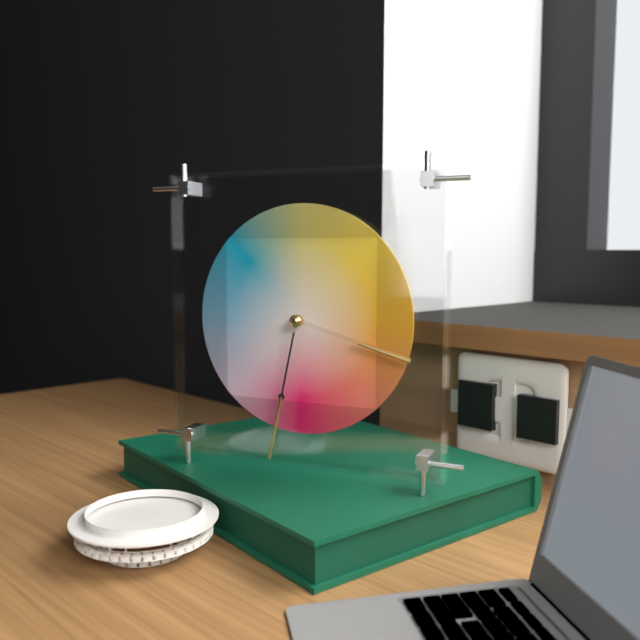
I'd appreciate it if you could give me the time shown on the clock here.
3:32
